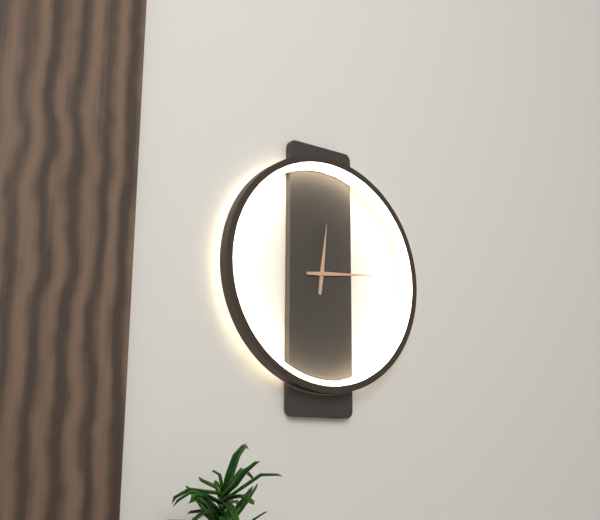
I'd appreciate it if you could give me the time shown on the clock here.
12:14
